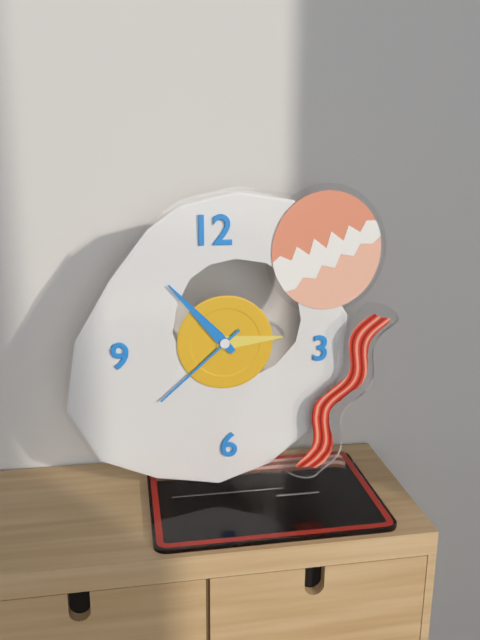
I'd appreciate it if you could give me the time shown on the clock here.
2:53:38
